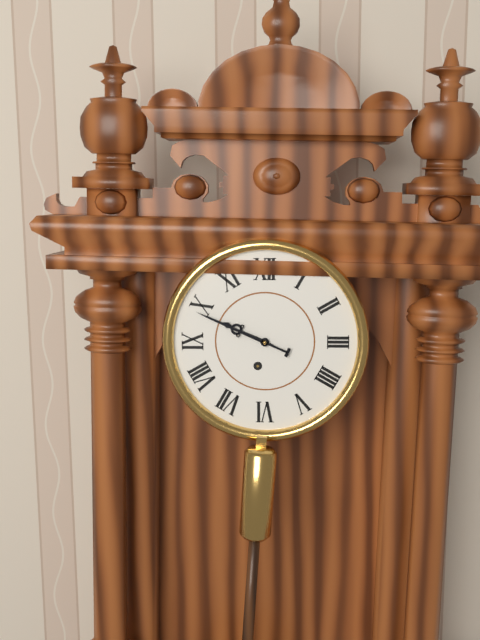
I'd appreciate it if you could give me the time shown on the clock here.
9:49
